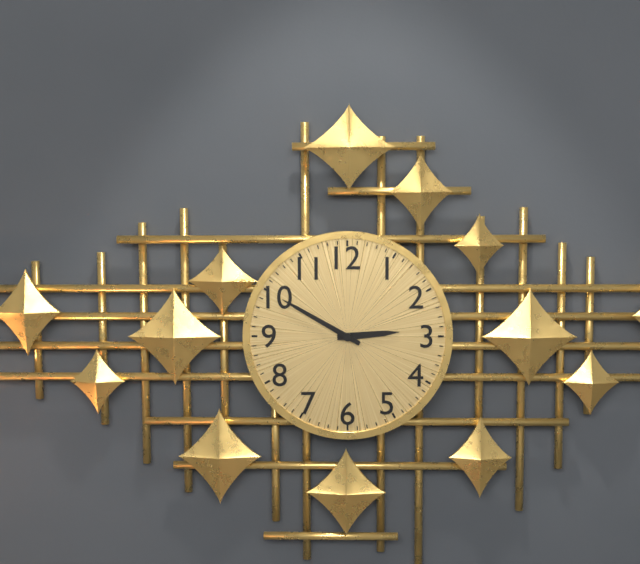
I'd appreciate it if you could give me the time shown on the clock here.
2:50
